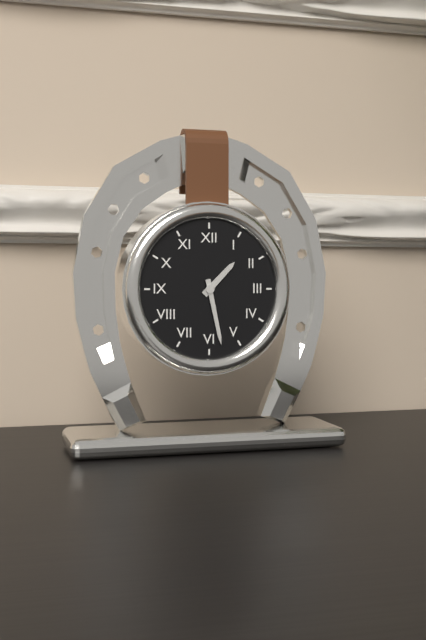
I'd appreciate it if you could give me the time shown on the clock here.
1:28
